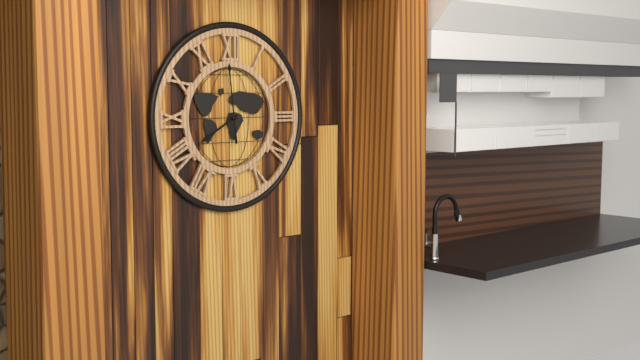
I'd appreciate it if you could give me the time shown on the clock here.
7:59
